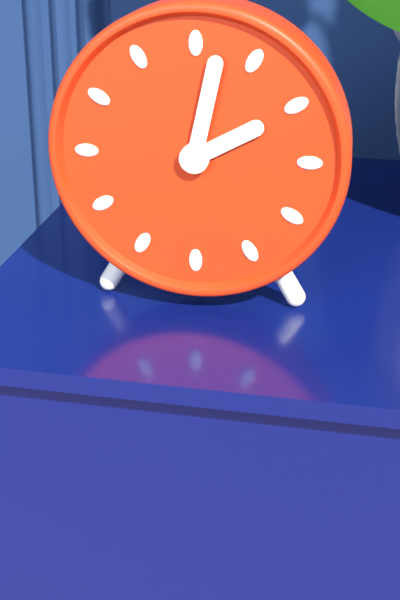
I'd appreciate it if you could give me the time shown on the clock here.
2:02
